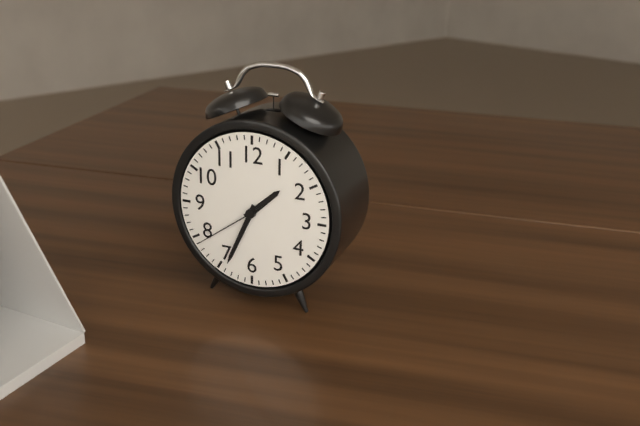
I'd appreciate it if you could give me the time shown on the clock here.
1:34:39
